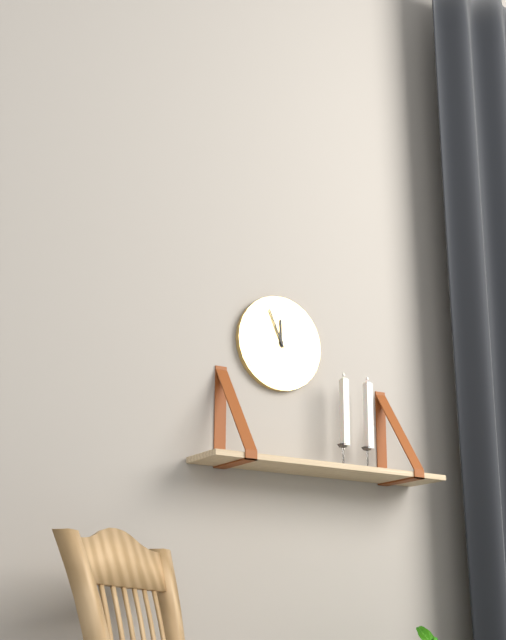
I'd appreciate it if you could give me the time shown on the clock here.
11:56
